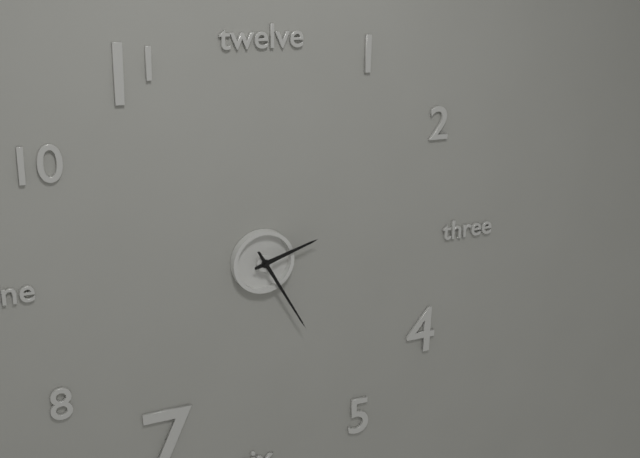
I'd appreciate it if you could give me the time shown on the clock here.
2:25
